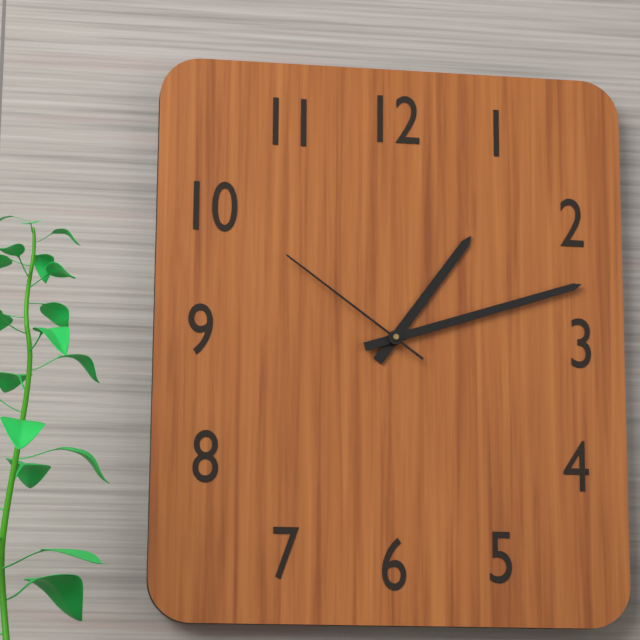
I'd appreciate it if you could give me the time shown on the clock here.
1:12:51
